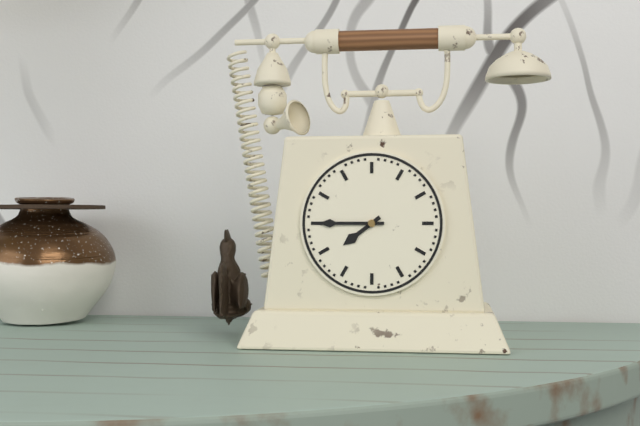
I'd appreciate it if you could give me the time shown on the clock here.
7:45
